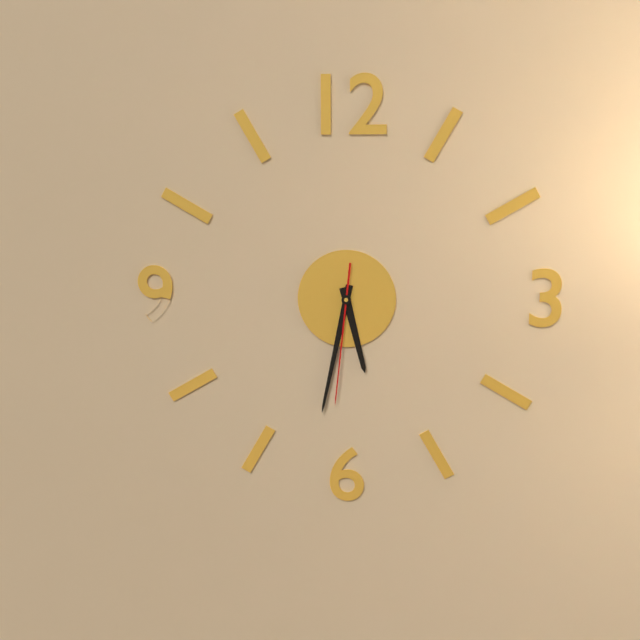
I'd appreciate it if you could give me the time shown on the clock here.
5:32:31
